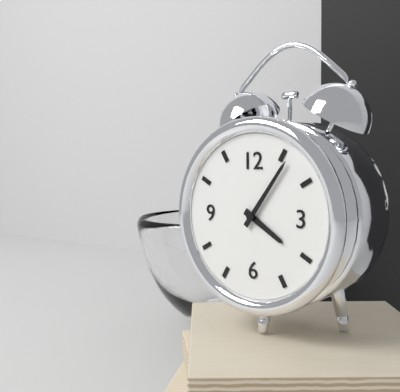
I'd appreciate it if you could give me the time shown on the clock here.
4:06
